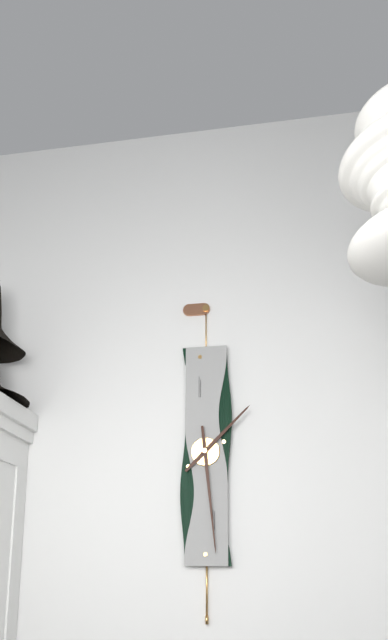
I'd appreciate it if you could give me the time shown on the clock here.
1:29
